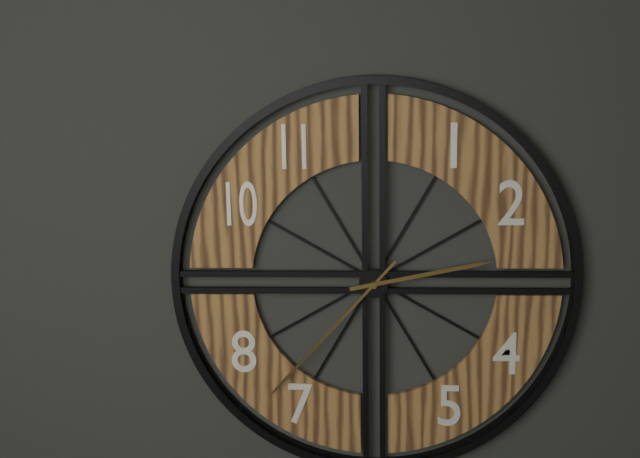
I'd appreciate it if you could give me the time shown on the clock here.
2:37
